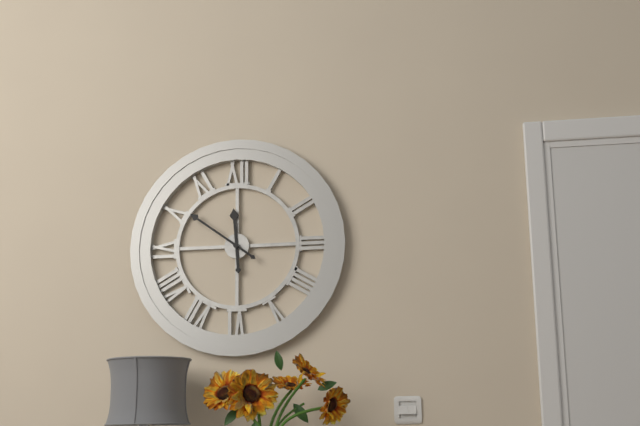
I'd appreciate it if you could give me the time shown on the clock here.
11:51
